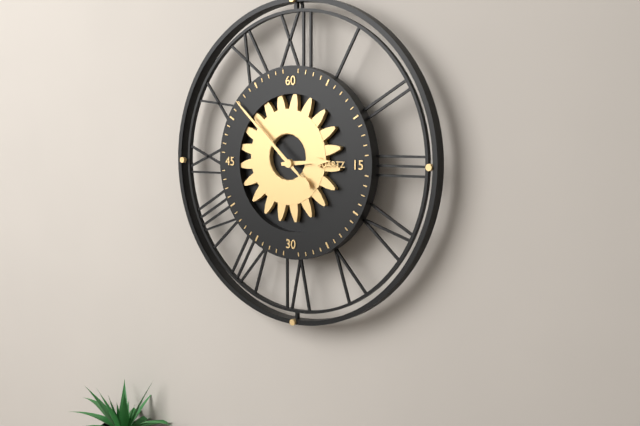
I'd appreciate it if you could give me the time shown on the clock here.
2:52
